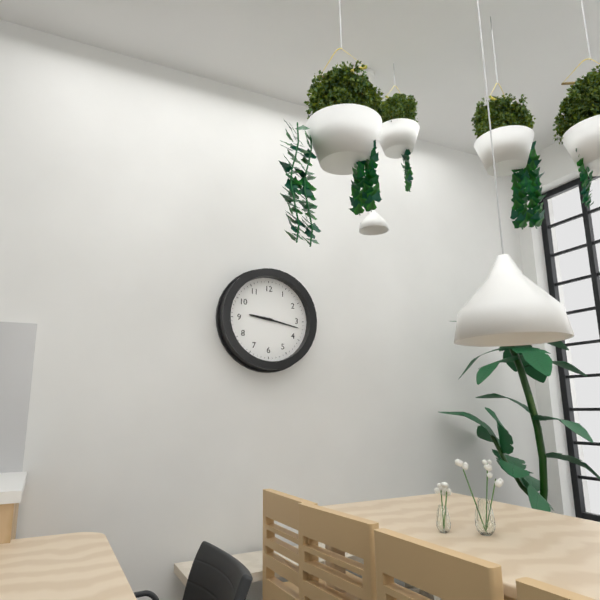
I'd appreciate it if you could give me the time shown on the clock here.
9:17
